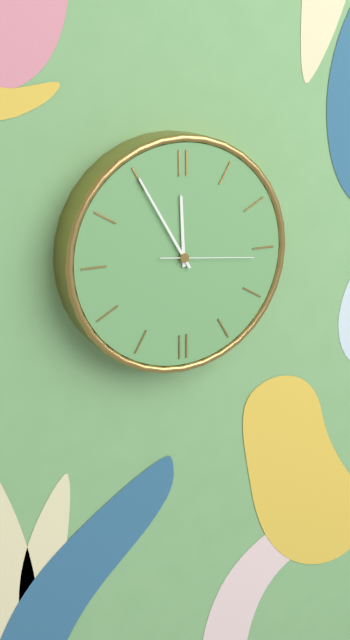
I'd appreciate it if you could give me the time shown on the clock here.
11:55:16
